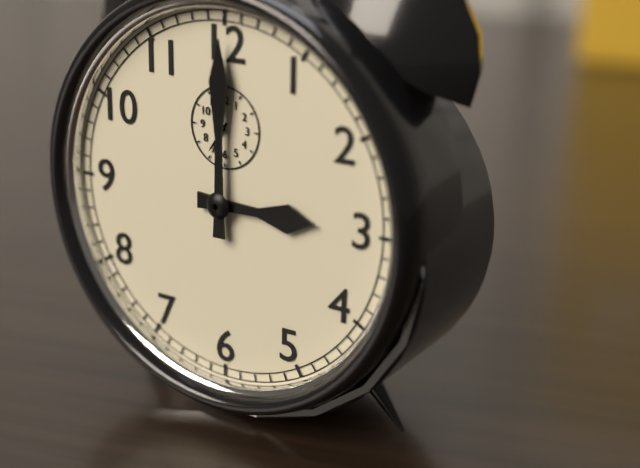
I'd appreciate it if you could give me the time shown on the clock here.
3:00
